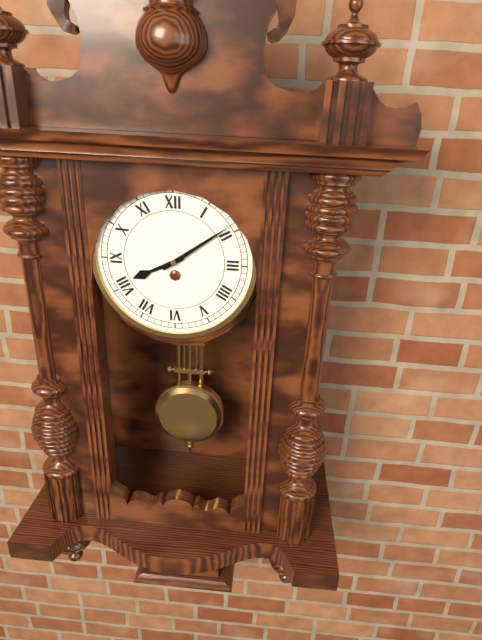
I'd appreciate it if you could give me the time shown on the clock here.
8:09
